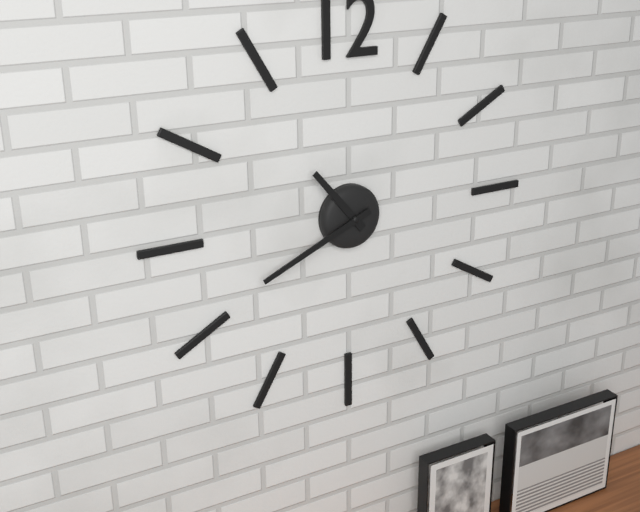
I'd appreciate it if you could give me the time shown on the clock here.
10:41
